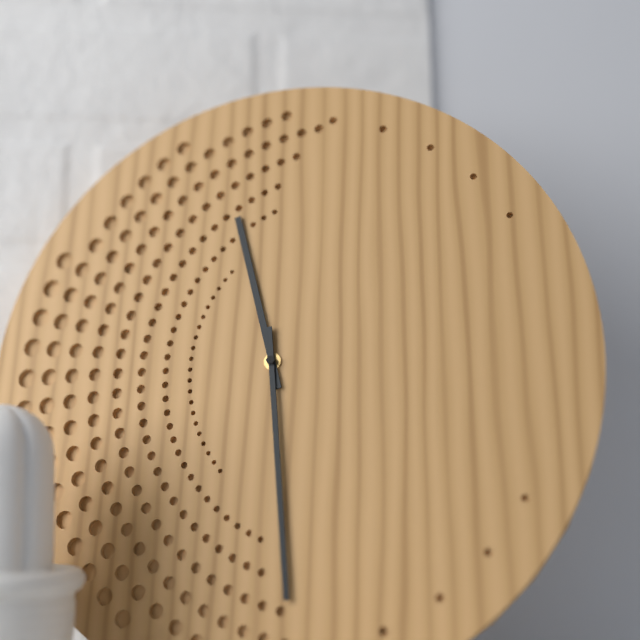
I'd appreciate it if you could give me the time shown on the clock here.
11:29
